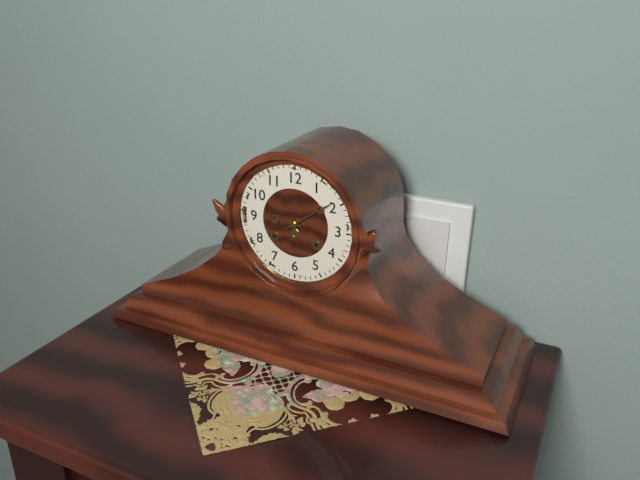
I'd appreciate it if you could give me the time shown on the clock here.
9:09
